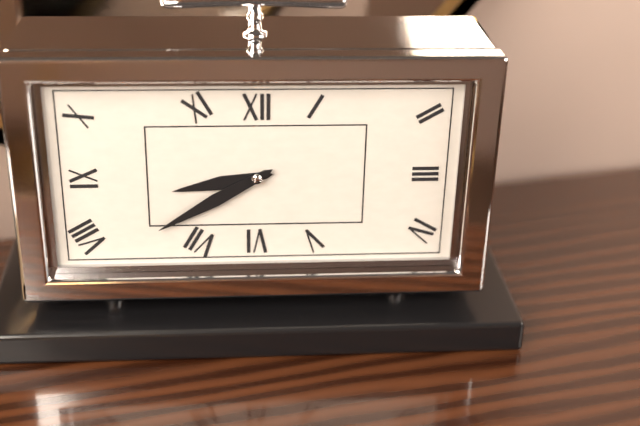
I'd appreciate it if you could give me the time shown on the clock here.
8:40
